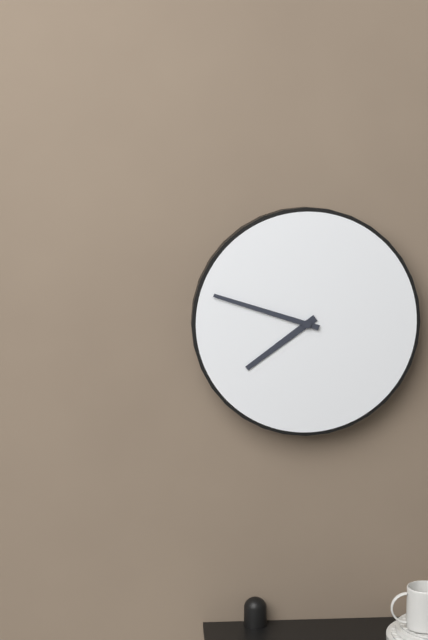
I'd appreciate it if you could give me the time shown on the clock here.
7:48
